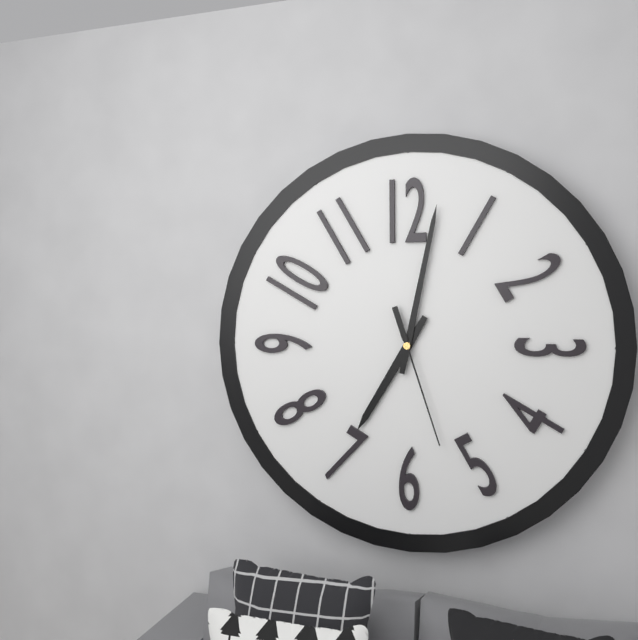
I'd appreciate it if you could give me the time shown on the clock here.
7:02:27
